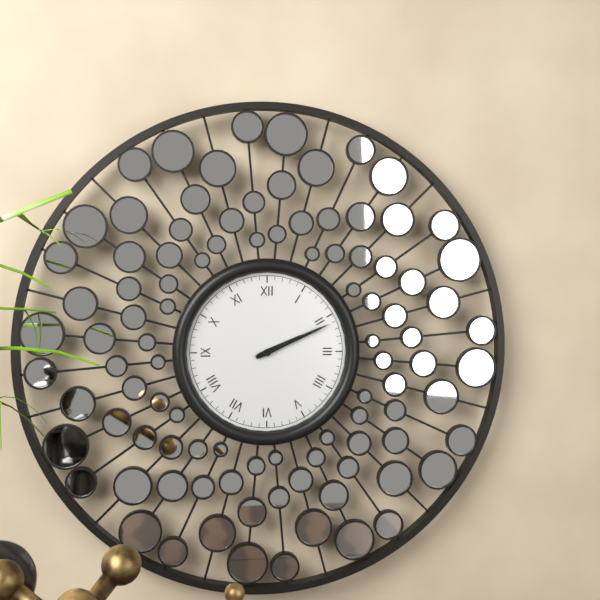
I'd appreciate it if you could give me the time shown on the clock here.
2:11
